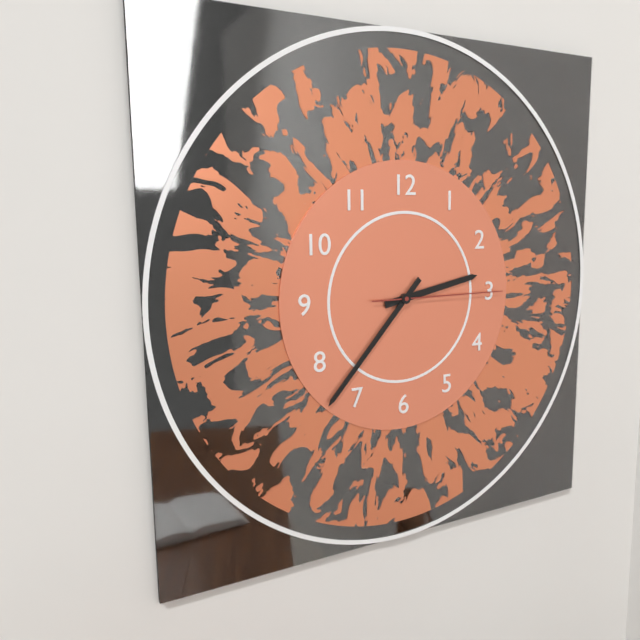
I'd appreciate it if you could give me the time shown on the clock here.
2:37:15
